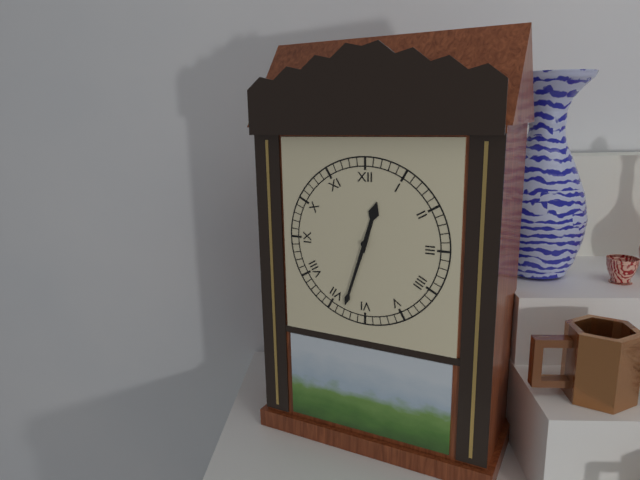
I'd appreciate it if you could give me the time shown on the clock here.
12:33
